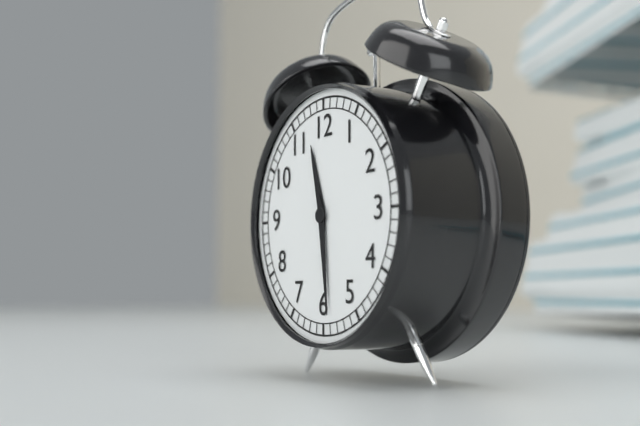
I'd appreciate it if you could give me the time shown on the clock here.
11:29
